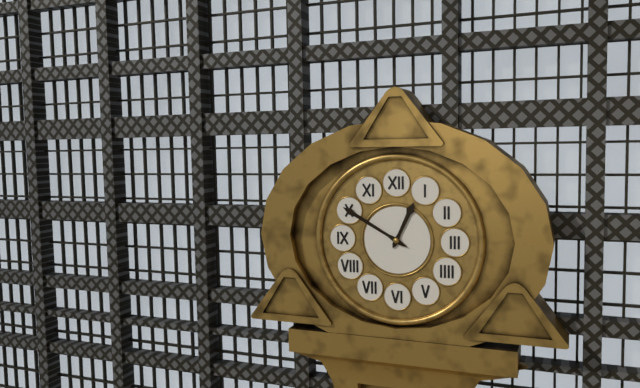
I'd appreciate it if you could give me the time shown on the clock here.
12:50
